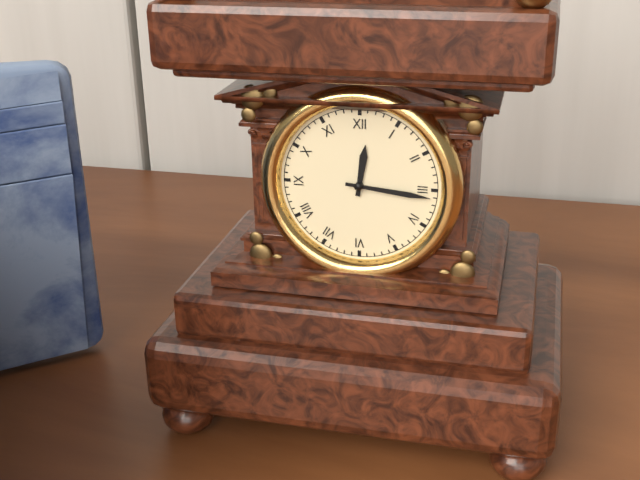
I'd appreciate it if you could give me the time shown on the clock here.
12:16
